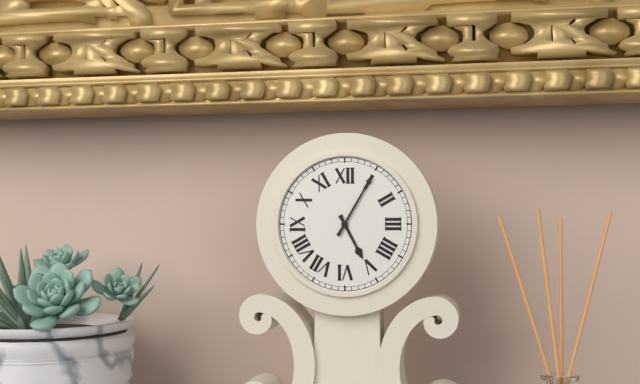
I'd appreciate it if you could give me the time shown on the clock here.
5:05
